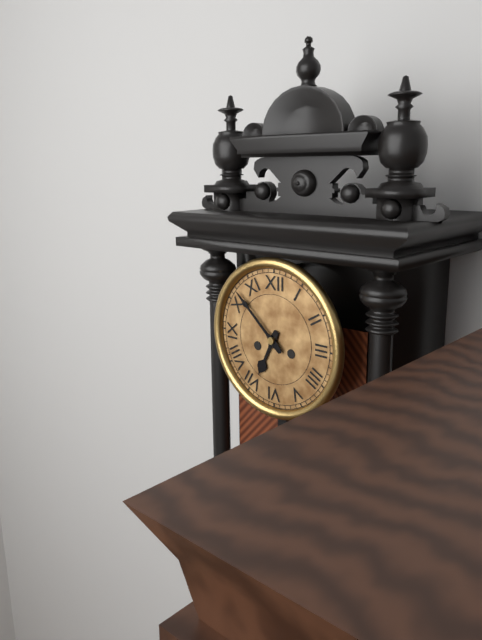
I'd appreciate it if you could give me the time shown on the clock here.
6:52
